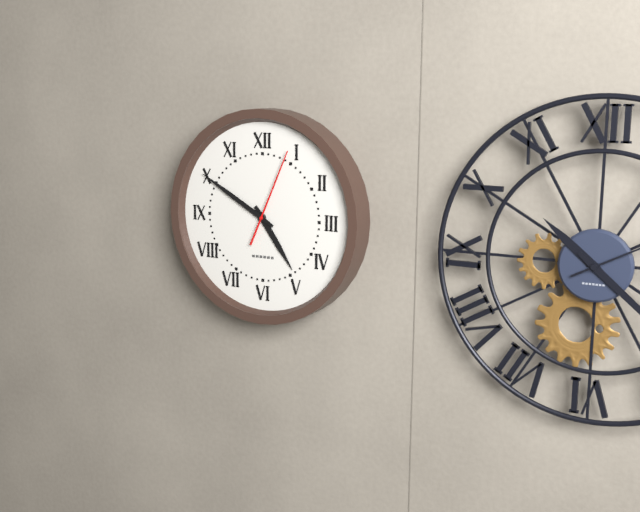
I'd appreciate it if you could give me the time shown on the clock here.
4:50:04
